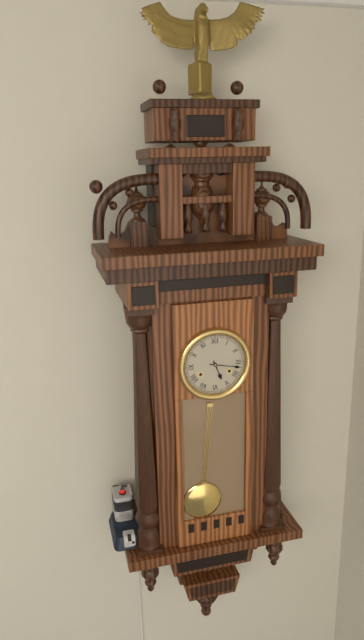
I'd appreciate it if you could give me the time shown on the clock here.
5:17
